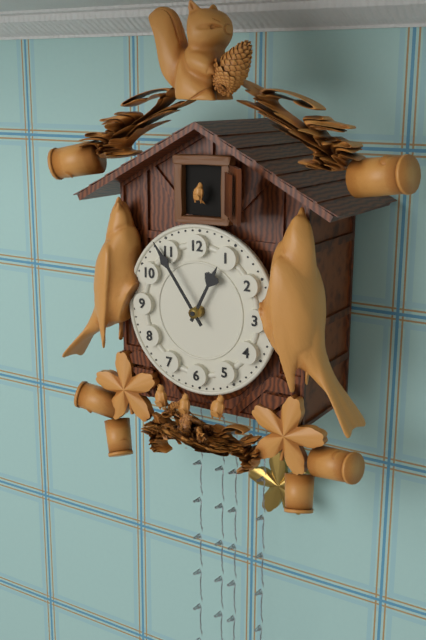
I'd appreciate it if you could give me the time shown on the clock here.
12:54
